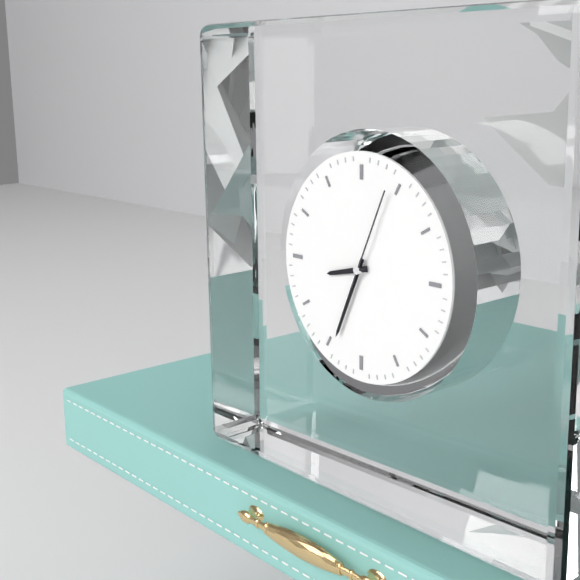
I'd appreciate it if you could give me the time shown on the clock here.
8:34:04
